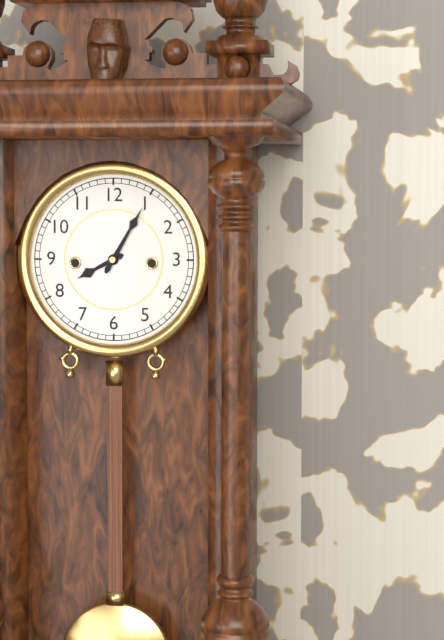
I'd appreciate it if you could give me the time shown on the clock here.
8:05
